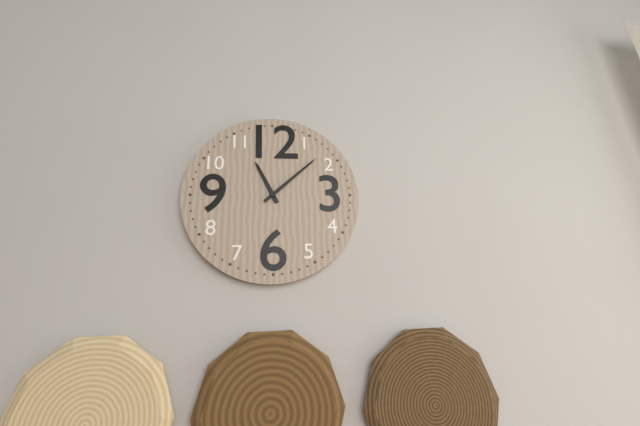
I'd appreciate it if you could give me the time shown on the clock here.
11:08
